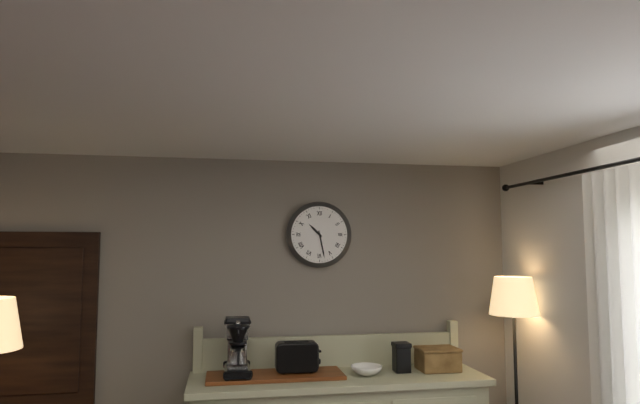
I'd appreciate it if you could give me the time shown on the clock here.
10:28
